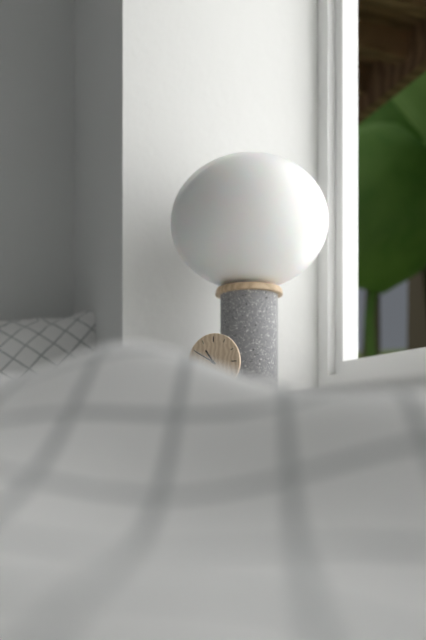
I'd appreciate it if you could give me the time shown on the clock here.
10:50
